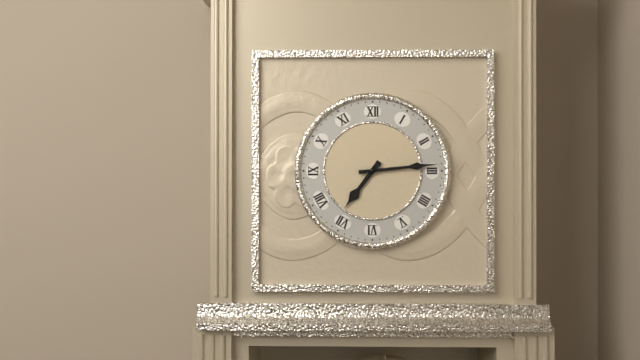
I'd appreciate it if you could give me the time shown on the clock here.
7:14
